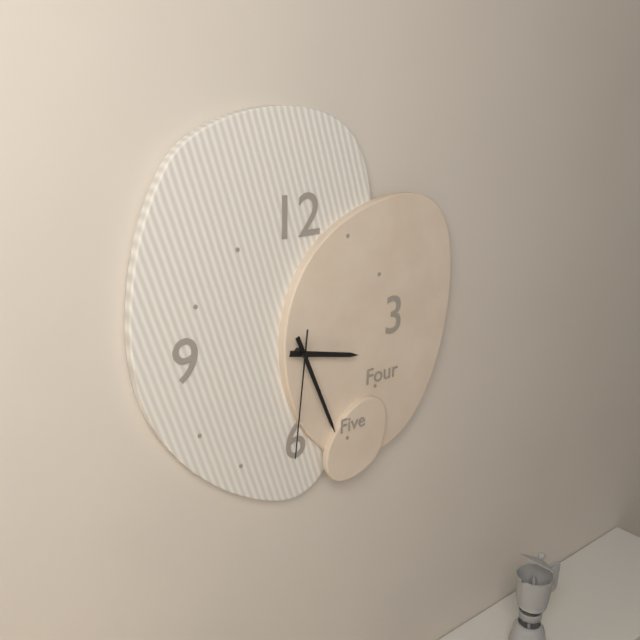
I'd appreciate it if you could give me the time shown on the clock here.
3:26:31
